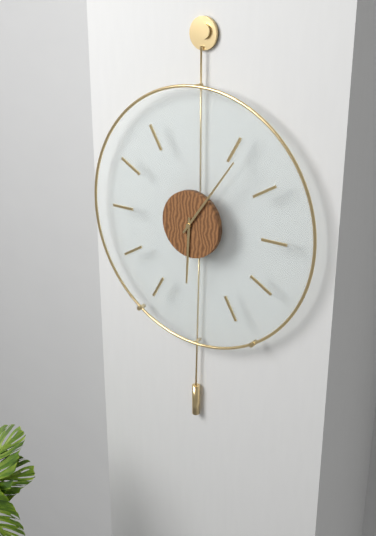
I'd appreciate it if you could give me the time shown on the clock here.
6:06
